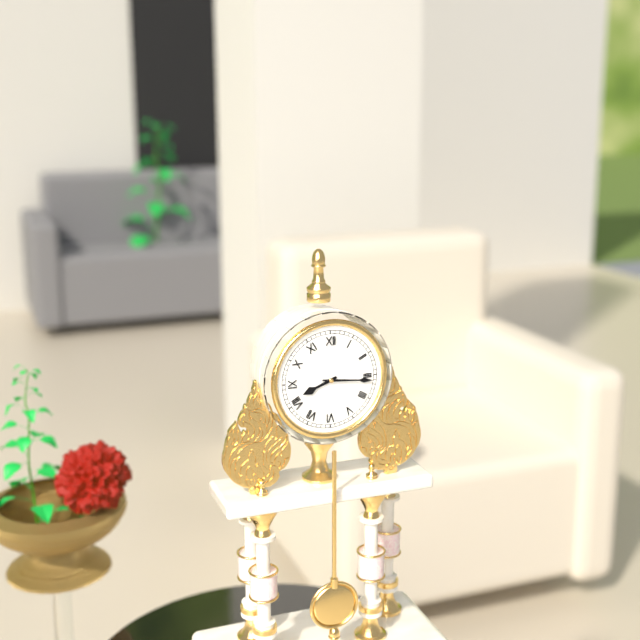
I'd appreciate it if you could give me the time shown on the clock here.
8:16
